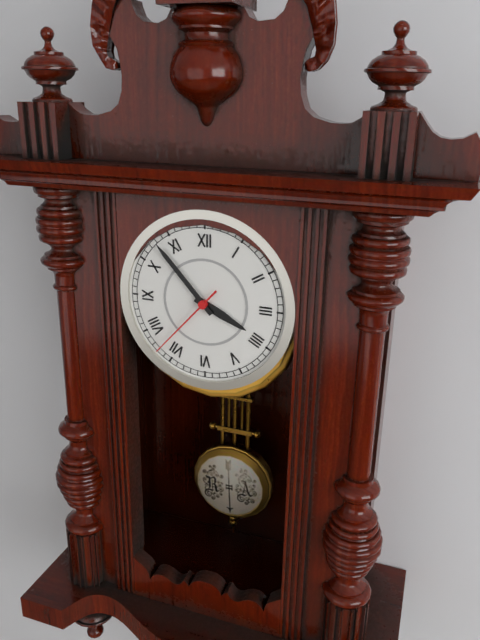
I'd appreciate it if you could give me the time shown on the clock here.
3:53:37
